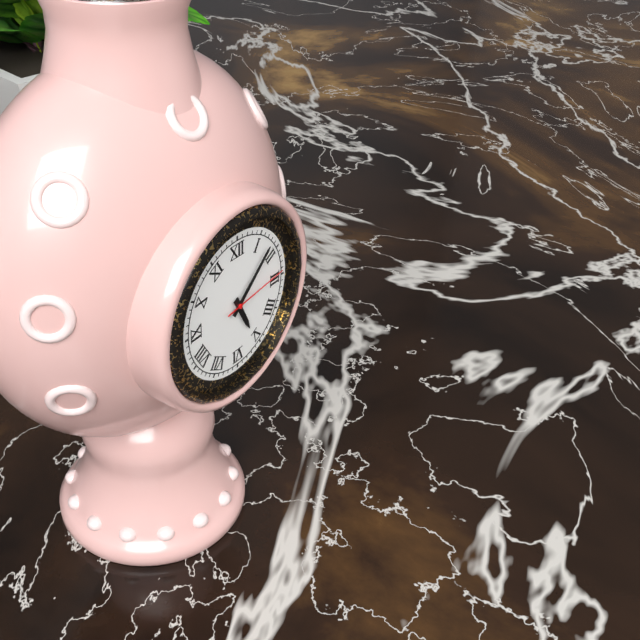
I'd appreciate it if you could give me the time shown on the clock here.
5:08:14
